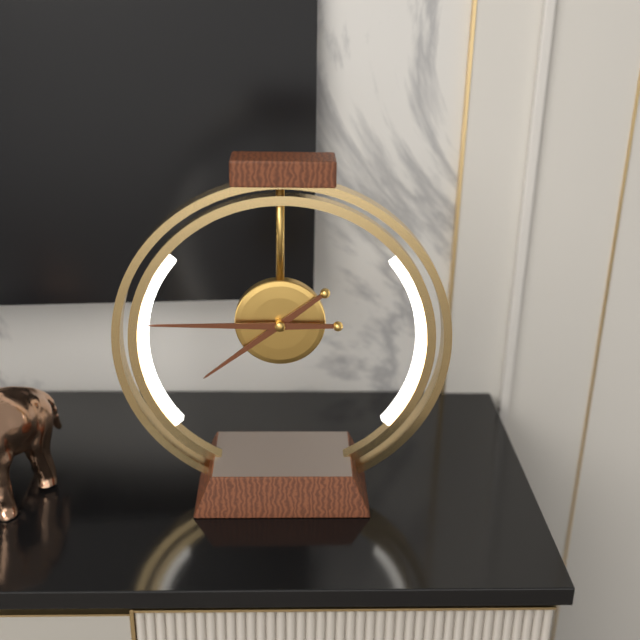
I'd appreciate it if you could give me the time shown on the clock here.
7:45
